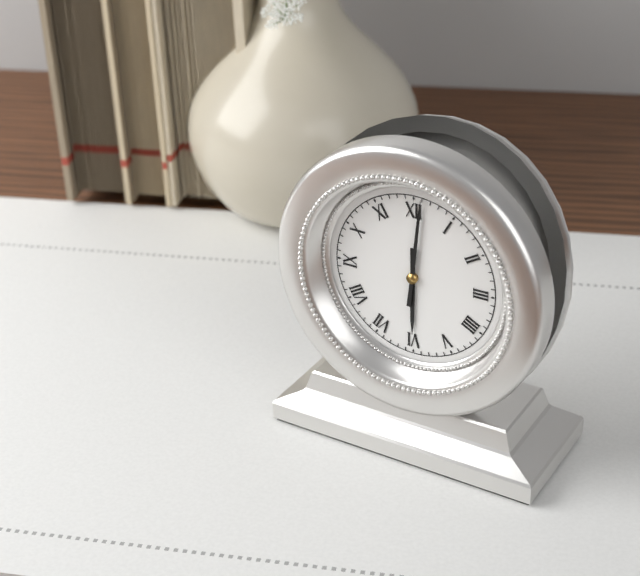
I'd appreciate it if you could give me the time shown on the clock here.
6:01
